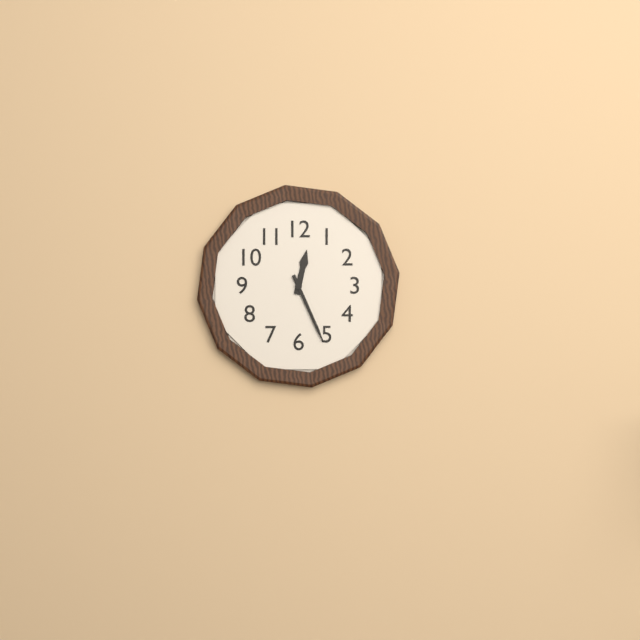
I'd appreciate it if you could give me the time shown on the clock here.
12:26
